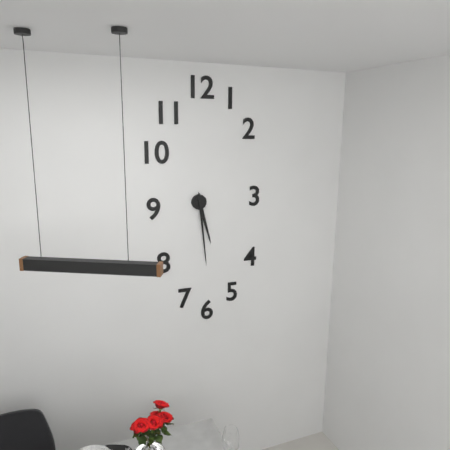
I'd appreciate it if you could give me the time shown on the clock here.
5:29
